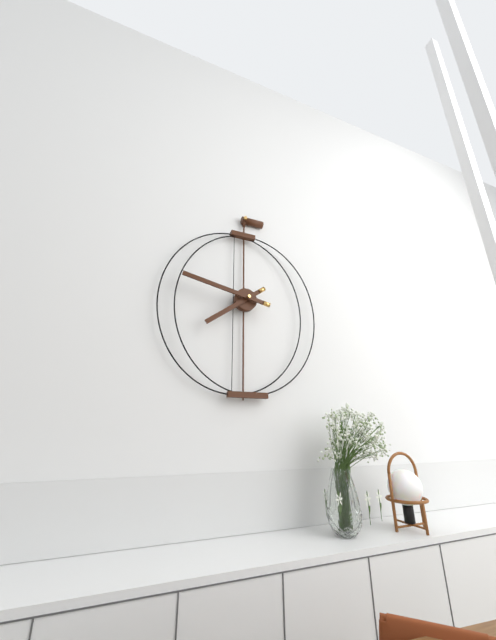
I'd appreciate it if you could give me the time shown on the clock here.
7:47
